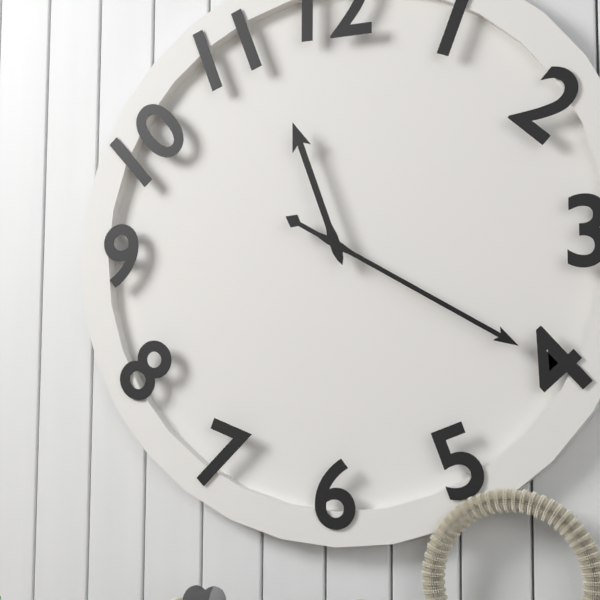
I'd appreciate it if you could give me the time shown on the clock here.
11:20
